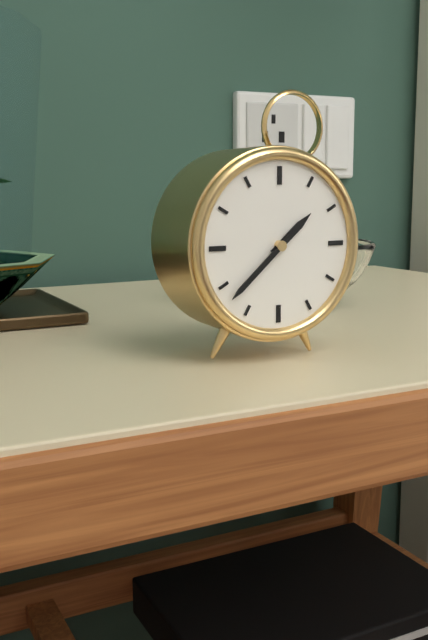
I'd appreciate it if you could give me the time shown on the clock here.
1:38
